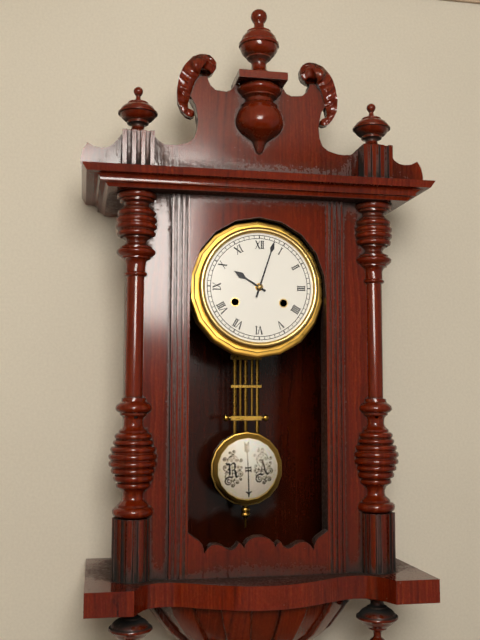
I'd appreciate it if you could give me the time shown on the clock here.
10:03
